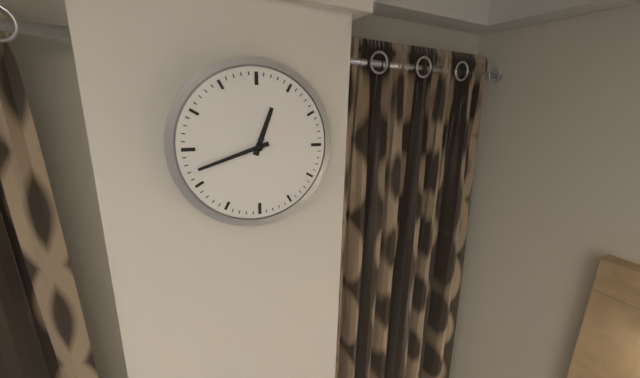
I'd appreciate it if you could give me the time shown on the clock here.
12:42
